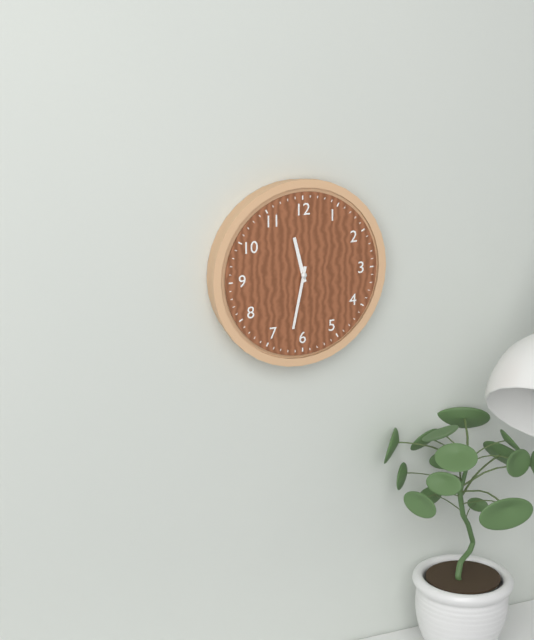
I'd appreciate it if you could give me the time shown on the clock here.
11:32
